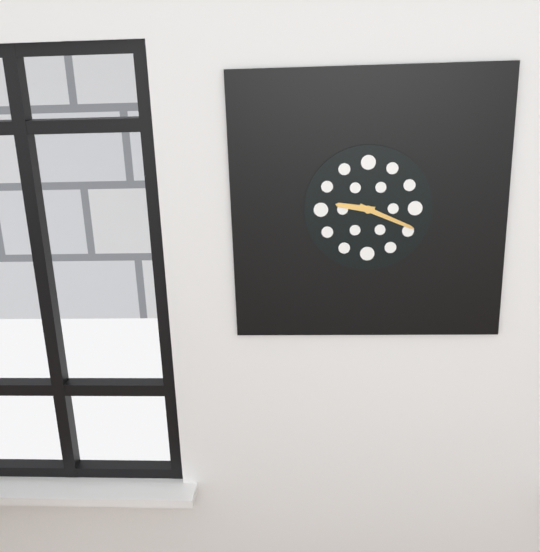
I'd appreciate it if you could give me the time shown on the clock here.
9:19
